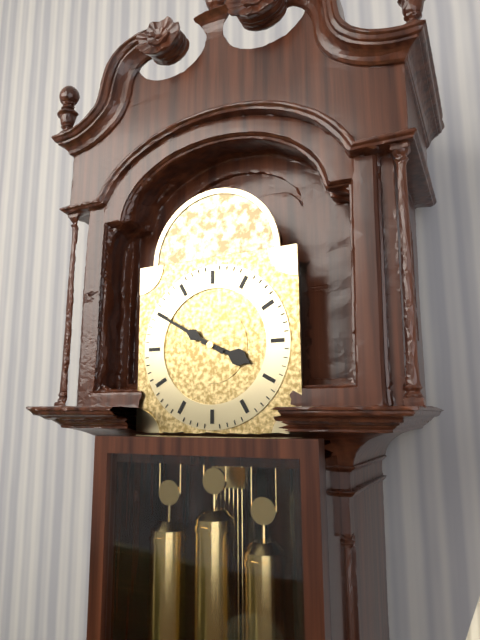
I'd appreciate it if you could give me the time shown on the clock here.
3:50
